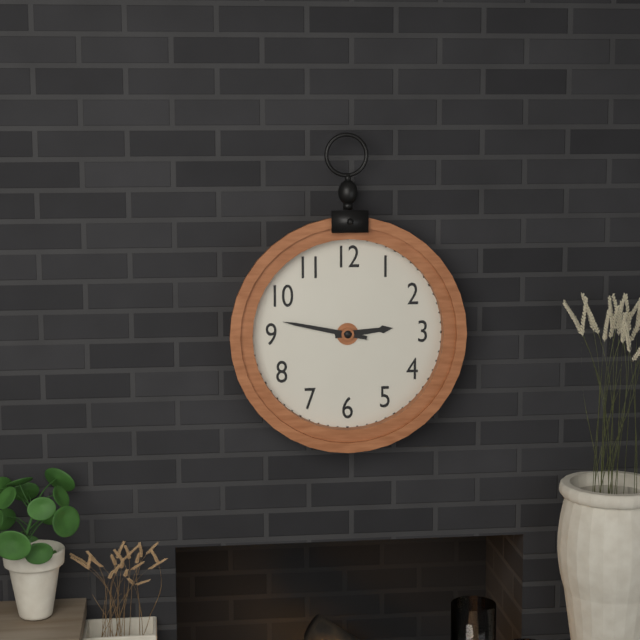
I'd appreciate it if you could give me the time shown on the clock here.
2:47
